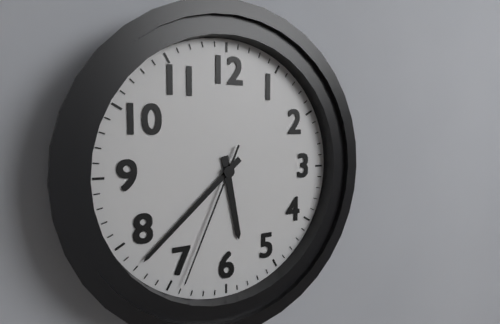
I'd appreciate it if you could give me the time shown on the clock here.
5:38:34
